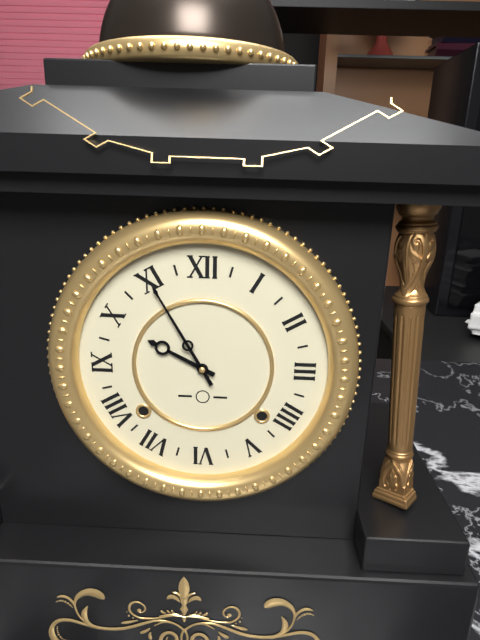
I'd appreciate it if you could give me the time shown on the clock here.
9:55
